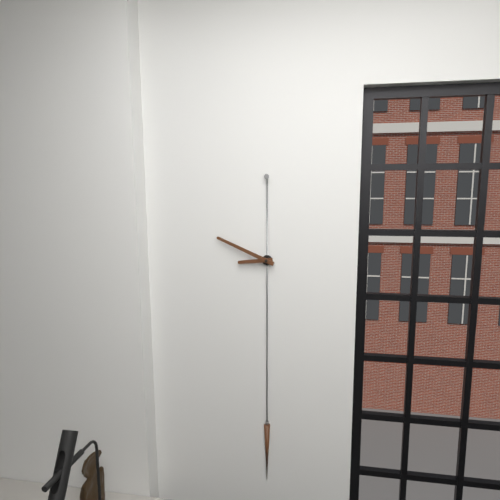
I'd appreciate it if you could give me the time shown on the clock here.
8:49
